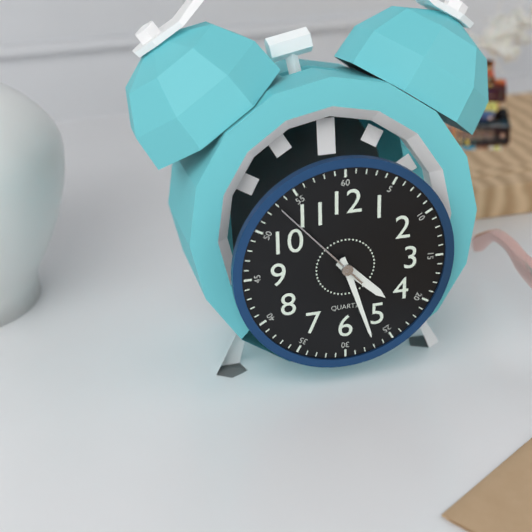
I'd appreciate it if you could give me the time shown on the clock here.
4:27:53
